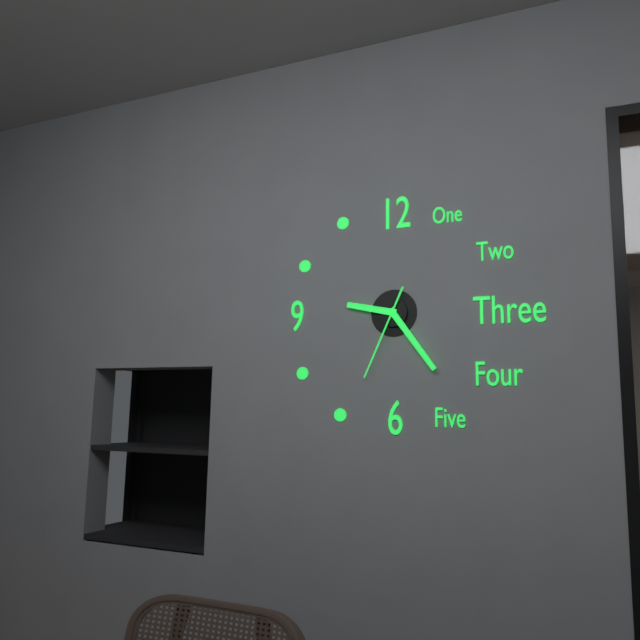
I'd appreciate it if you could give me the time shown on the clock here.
9:24:34
